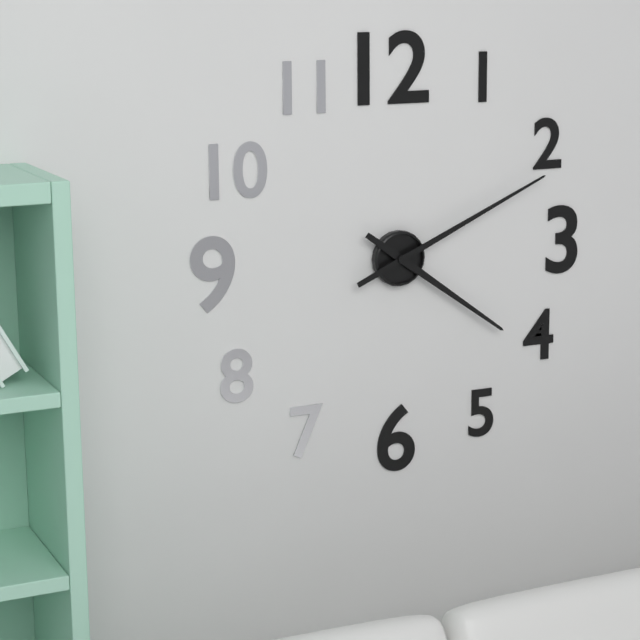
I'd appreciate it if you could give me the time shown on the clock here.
4:11
